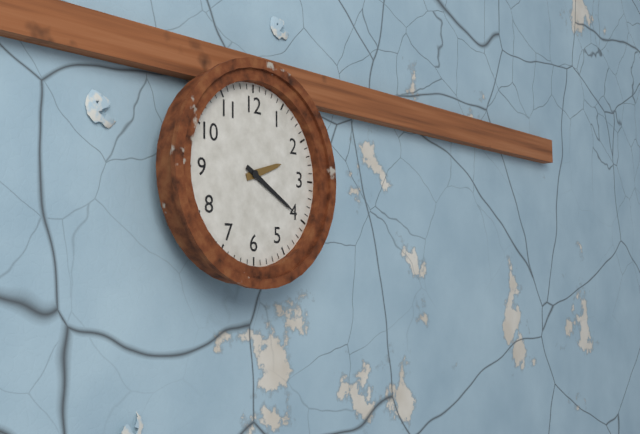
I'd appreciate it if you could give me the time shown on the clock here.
2:20
